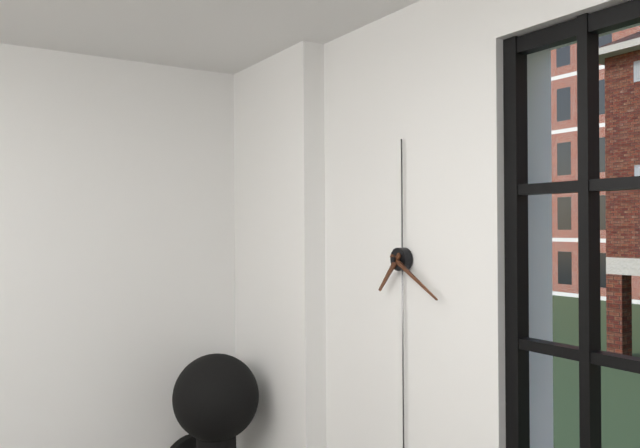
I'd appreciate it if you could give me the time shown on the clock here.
7:20
